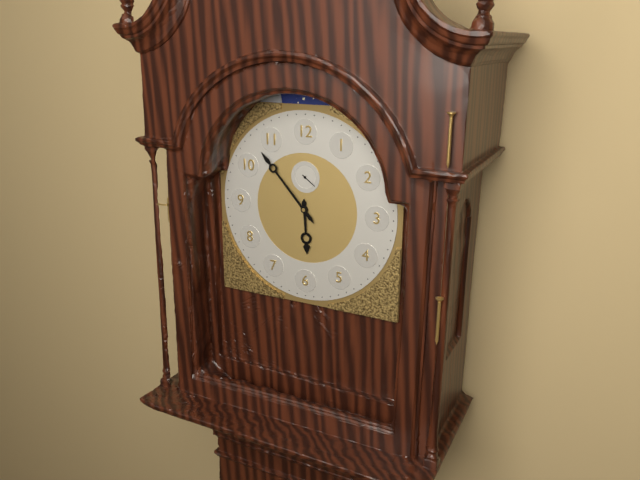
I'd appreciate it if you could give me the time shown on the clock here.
5:53
